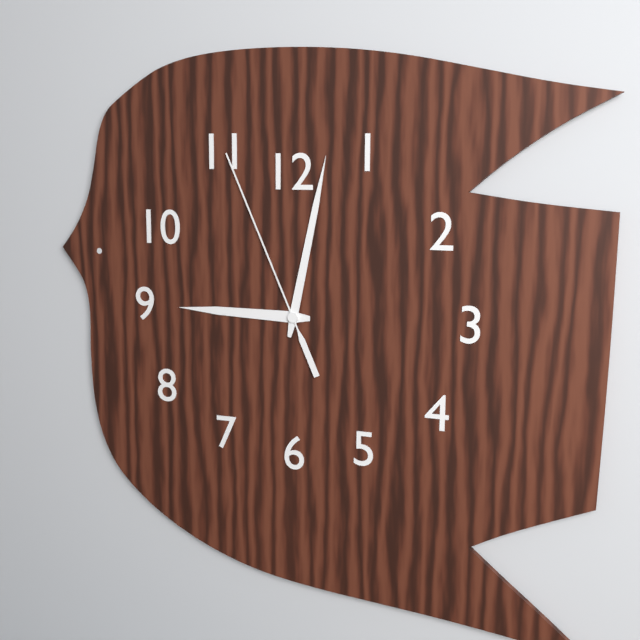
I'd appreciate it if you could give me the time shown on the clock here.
9:02:56
